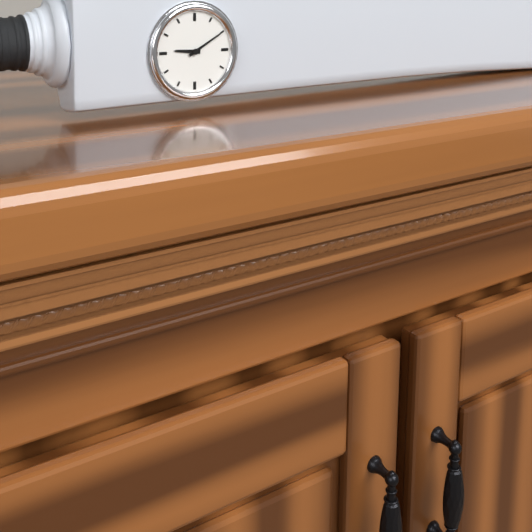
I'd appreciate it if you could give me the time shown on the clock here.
9:10
